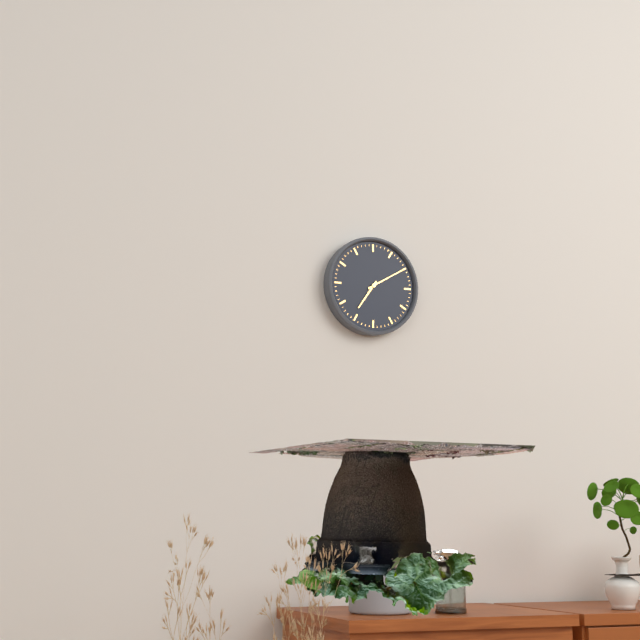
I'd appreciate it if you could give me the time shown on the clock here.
7:10
